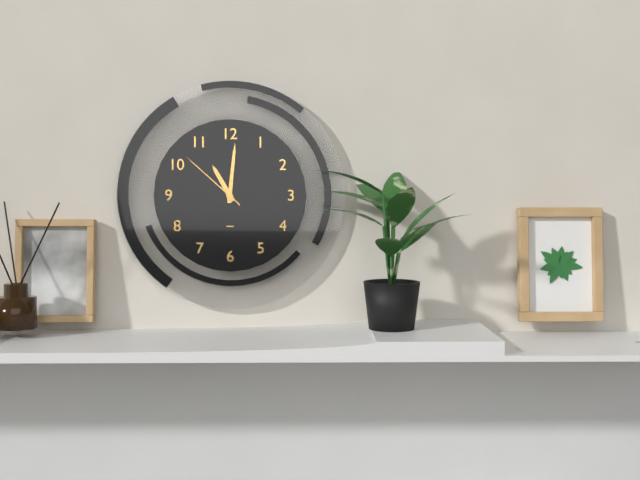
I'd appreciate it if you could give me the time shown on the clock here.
11:01:52
